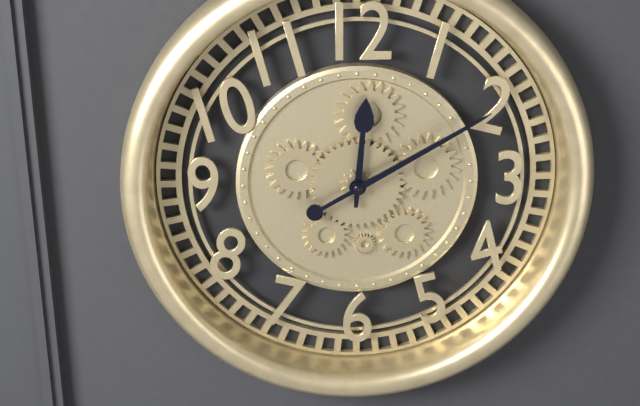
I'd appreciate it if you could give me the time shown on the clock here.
12:10
